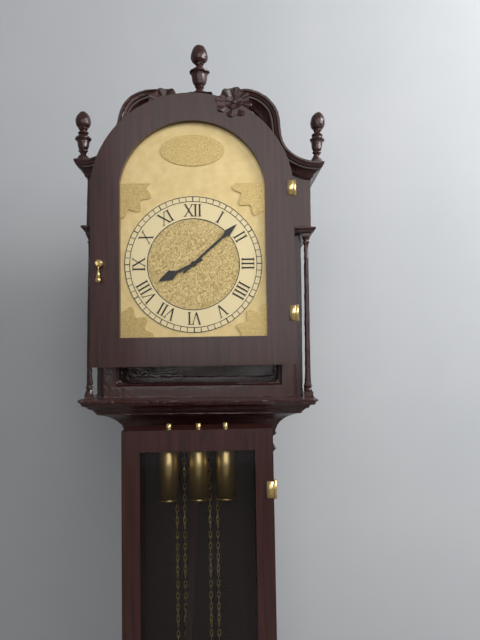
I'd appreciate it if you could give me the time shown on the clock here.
8:08
